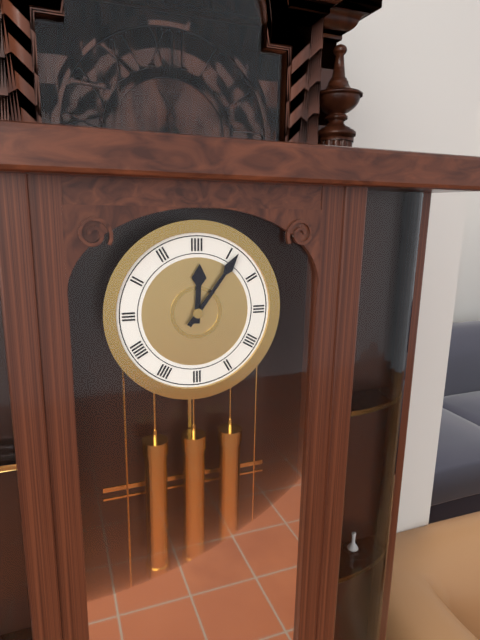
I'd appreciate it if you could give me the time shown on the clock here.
12:06
